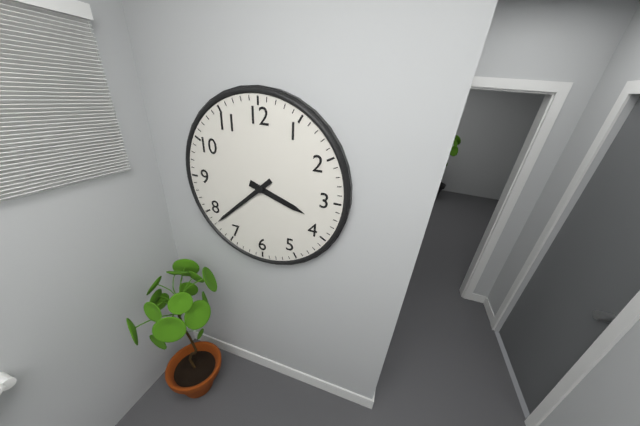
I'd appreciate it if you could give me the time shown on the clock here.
3:38
